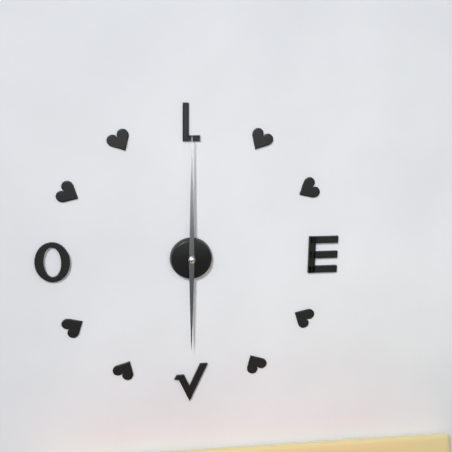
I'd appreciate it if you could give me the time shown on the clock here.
6:00
